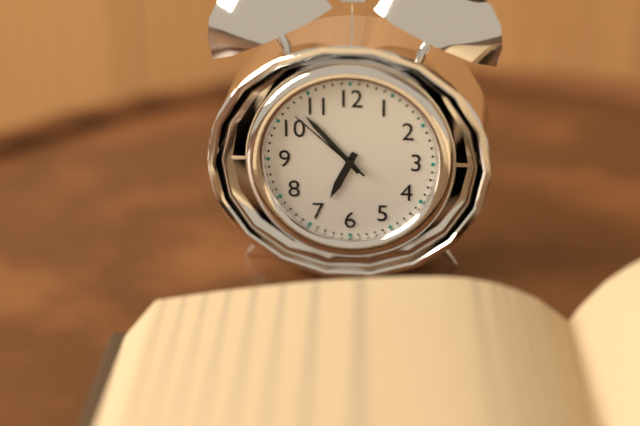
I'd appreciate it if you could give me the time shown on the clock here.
6:53:52
